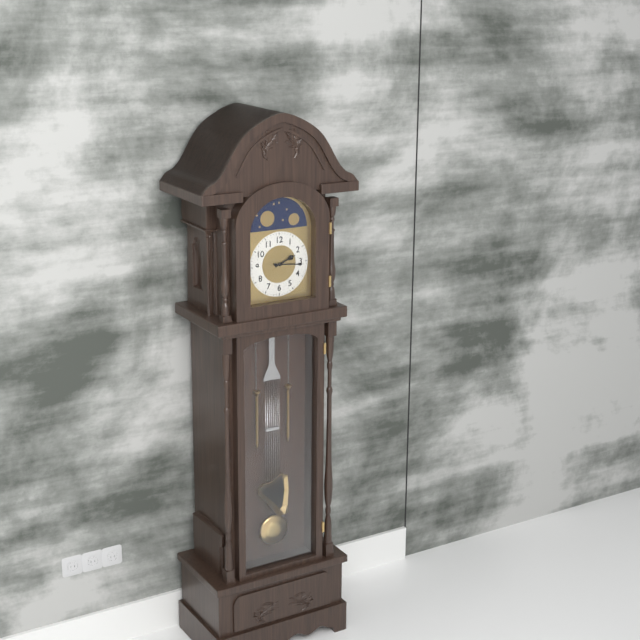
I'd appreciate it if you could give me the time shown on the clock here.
2:16
